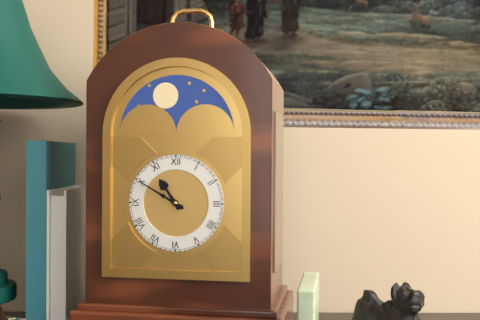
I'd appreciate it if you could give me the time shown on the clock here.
10:50
